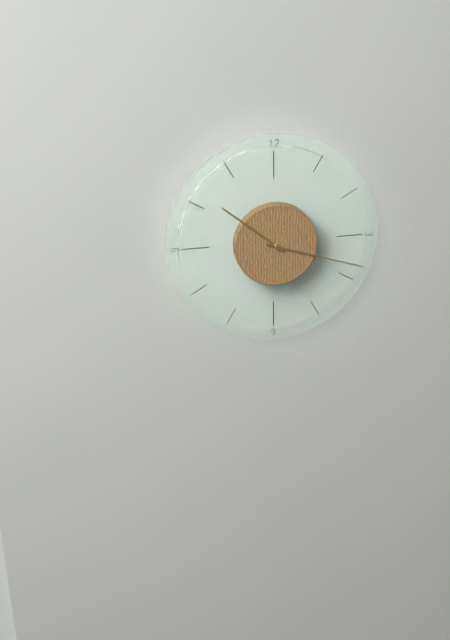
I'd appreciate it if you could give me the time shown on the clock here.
10:18
